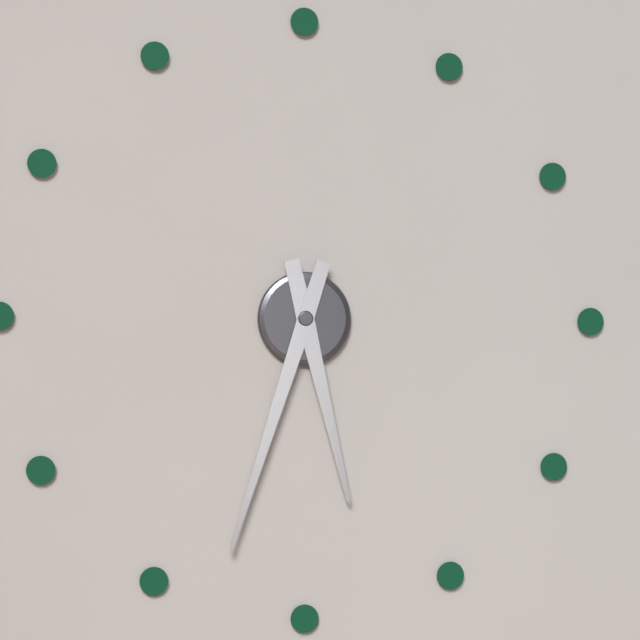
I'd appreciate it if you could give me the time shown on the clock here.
5:33
